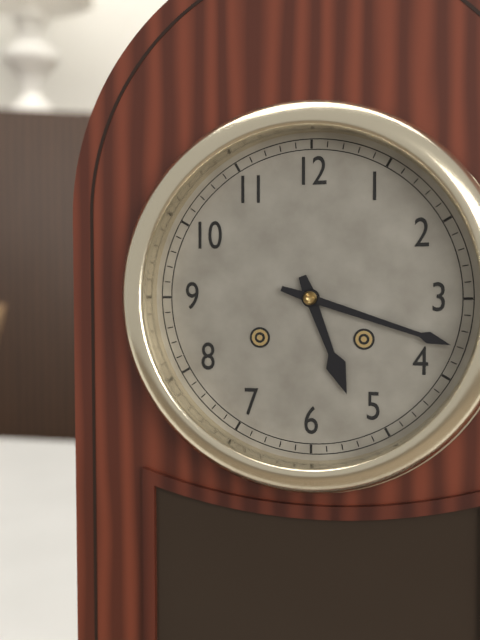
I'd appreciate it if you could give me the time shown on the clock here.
5:18
